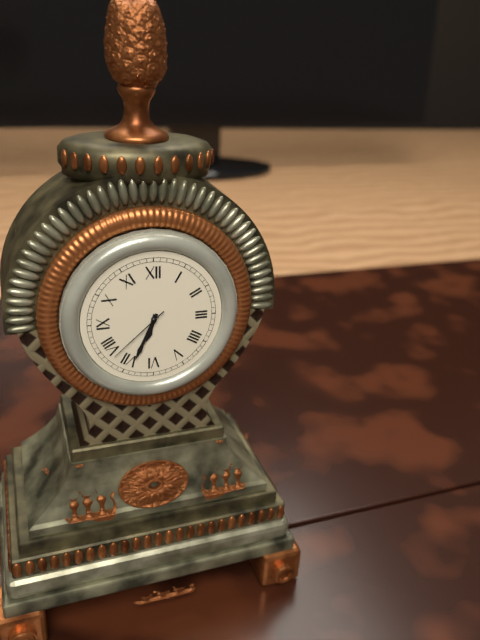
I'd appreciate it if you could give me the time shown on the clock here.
6:34:38
